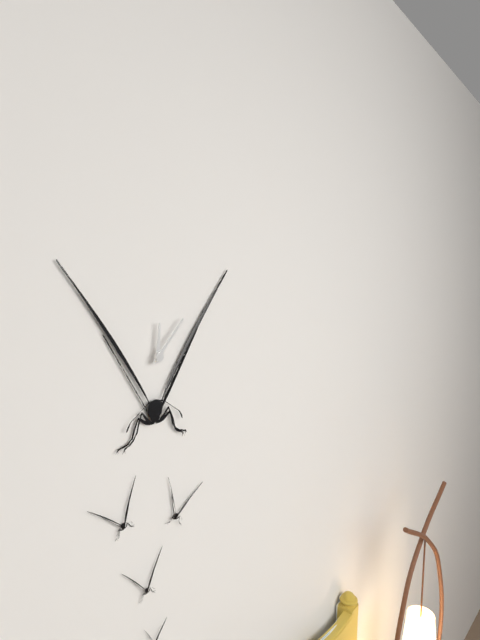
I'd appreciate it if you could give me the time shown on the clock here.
12:07
